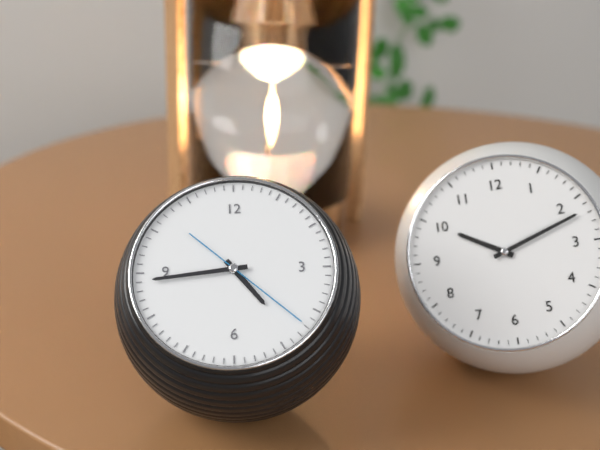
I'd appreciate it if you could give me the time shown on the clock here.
4:44:22
